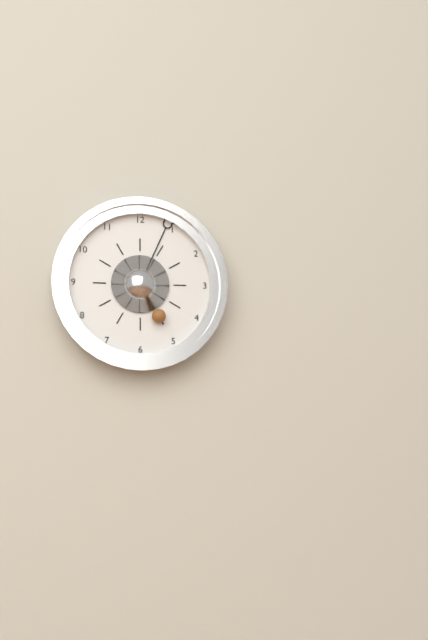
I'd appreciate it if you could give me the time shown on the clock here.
5:04
